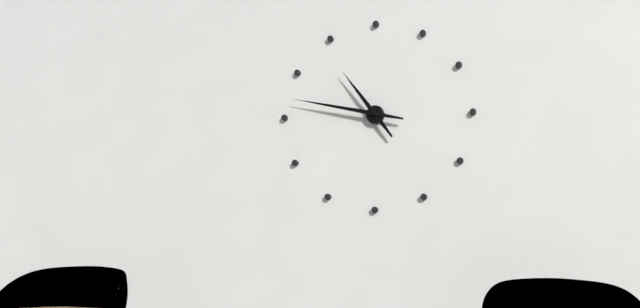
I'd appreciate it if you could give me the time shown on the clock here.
10:47
